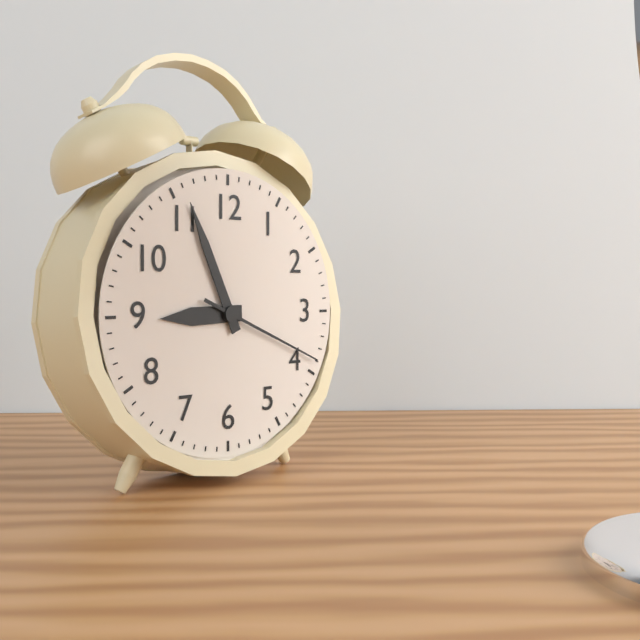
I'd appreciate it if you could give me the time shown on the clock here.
8:56:19
